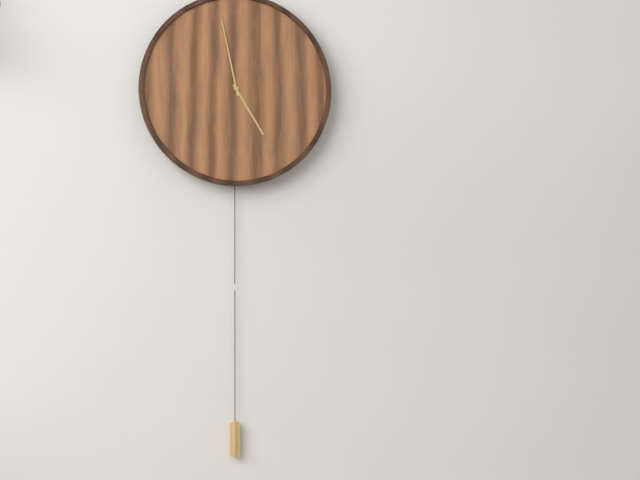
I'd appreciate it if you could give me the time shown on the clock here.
4:58
